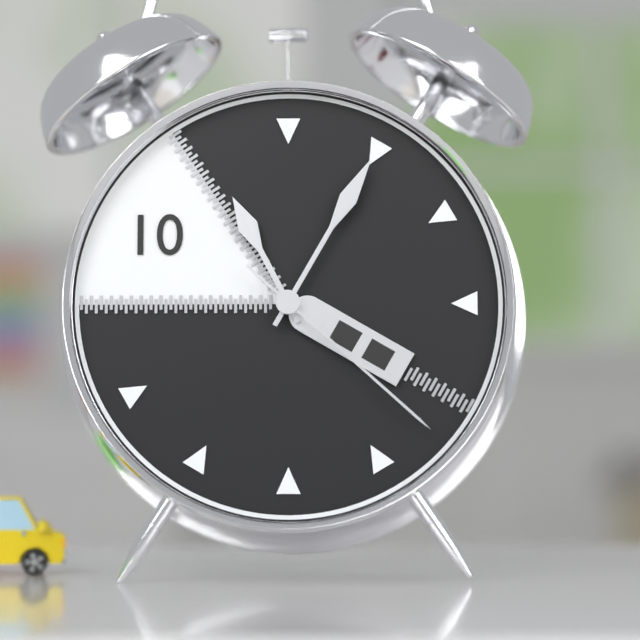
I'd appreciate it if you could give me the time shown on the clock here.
11:05:22
